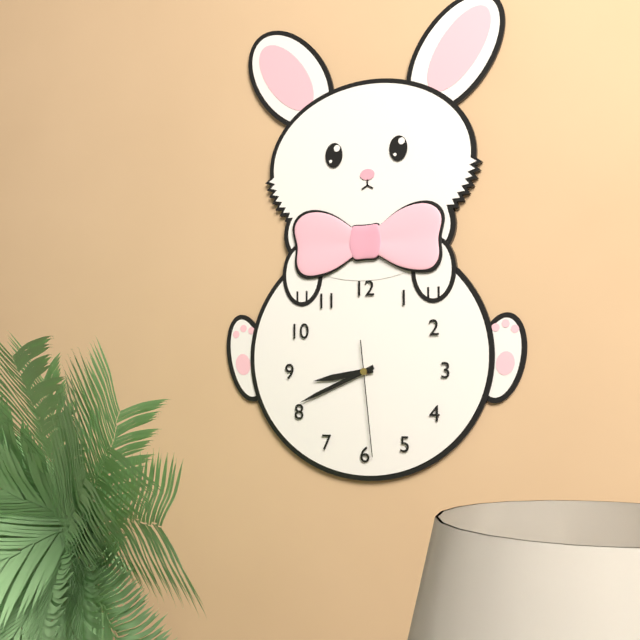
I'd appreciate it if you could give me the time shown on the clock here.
8:41:29
